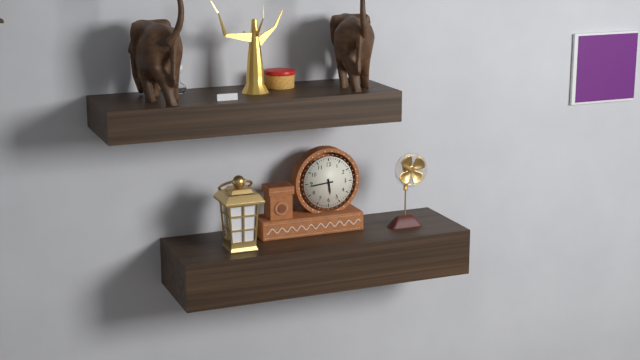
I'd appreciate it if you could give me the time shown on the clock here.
5:44
